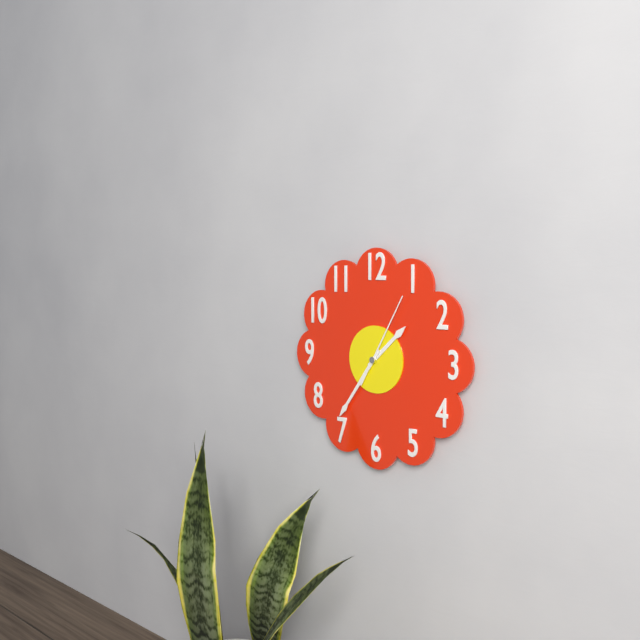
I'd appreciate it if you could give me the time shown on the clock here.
1:36:05
